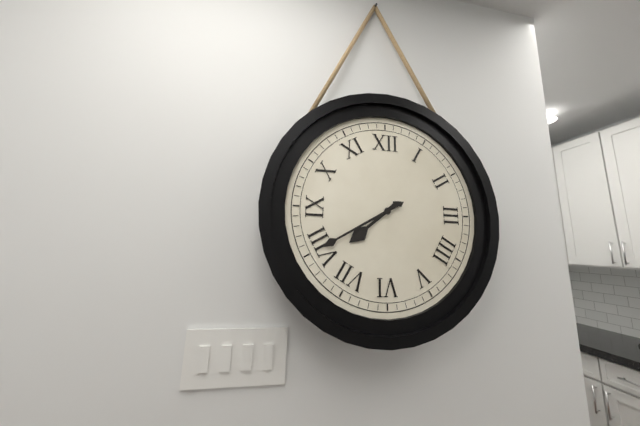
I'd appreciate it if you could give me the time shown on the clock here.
7:40
